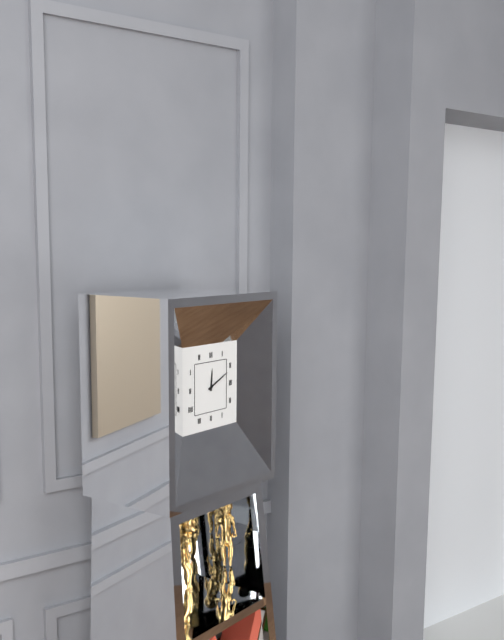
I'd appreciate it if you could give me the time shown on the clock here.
12:11
